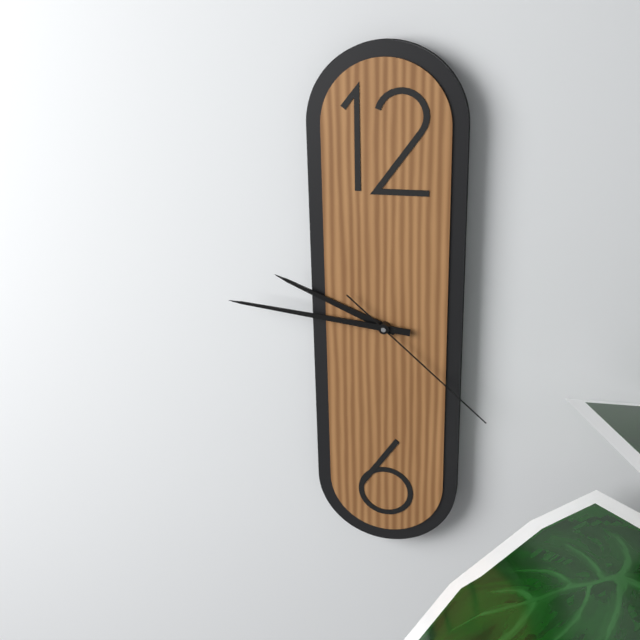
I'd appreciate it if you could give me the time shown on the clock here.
9:46:22
